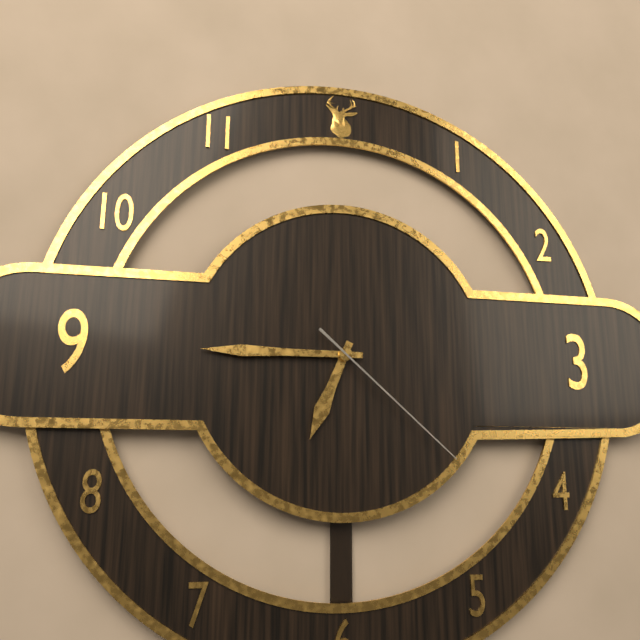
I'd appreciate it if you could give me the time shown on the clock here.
6:45:22
